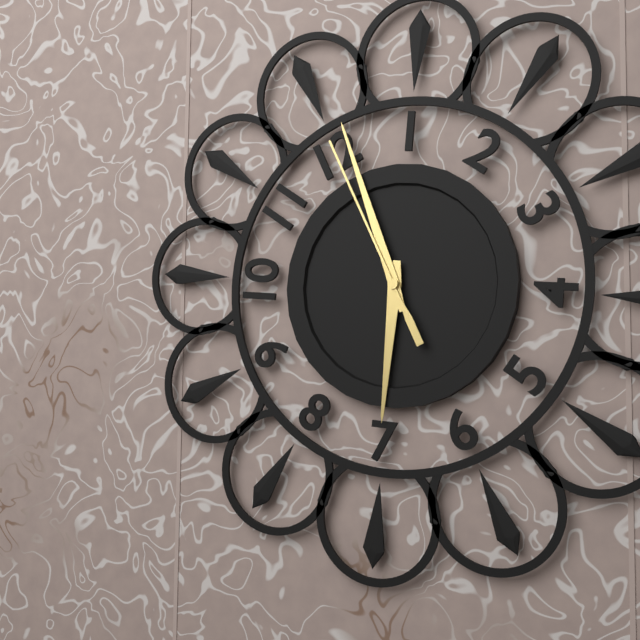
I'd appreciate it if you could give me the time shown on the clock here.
7:01:00
